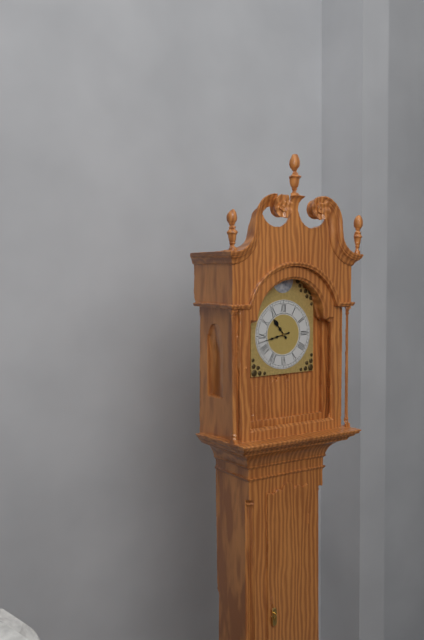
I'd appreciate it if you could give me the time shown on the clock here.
10:43
